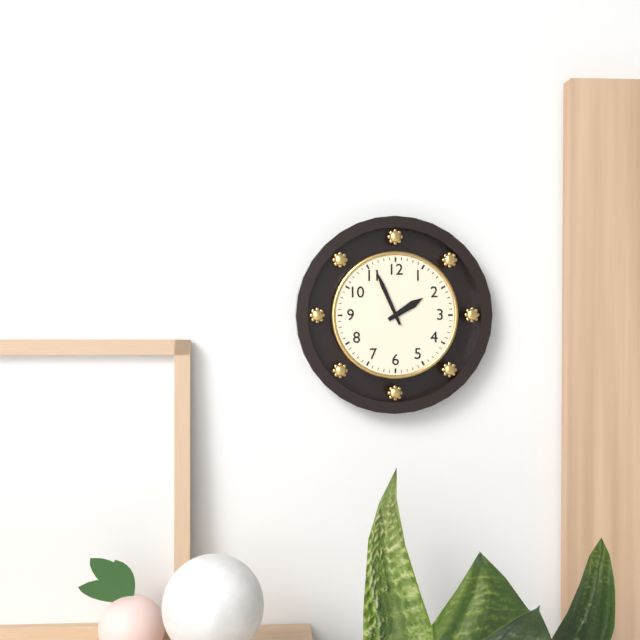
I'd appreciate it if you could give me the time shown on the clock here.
1:56
